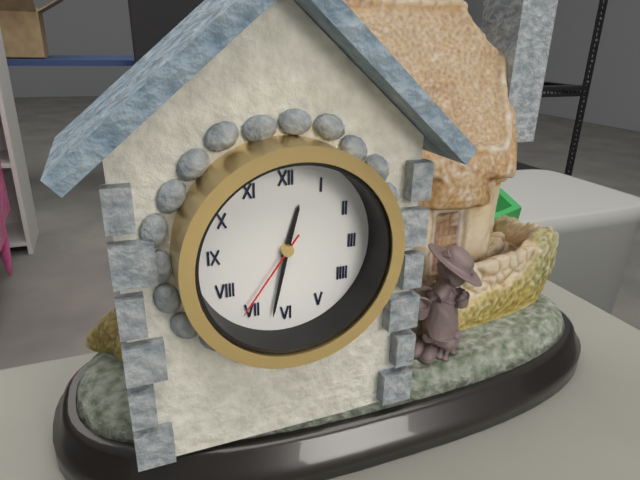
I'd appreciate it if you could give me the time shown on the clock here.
12:32:36
